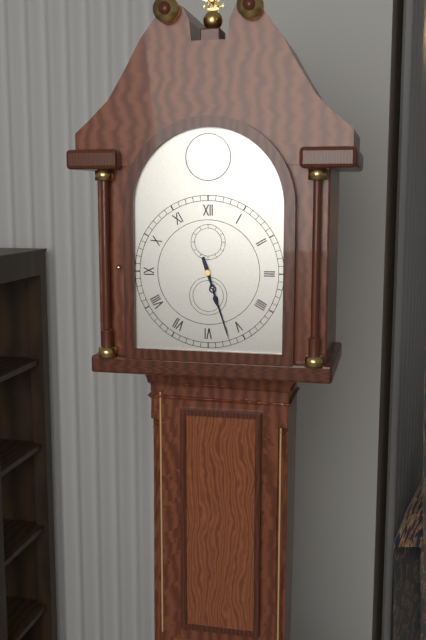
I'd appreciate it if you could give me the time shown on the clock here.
5:27
